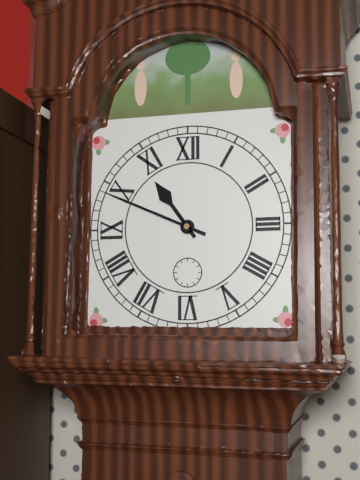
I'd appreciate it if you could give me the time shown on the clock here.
10:49
